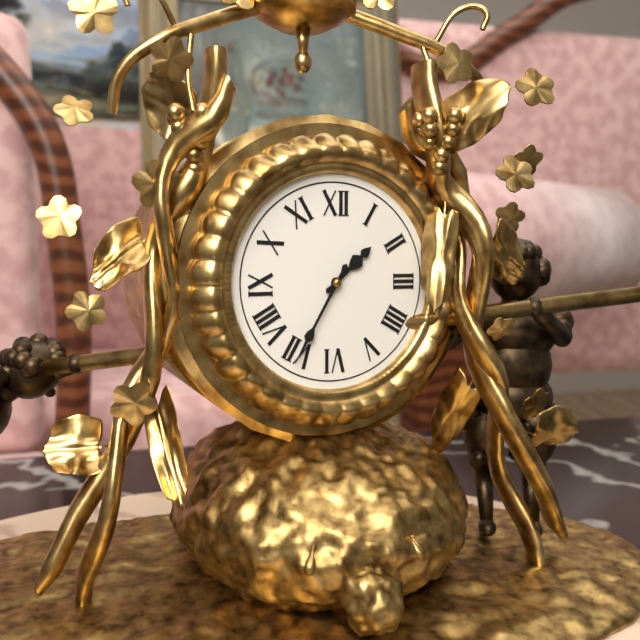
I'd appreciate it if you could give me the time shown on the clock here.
1:35
